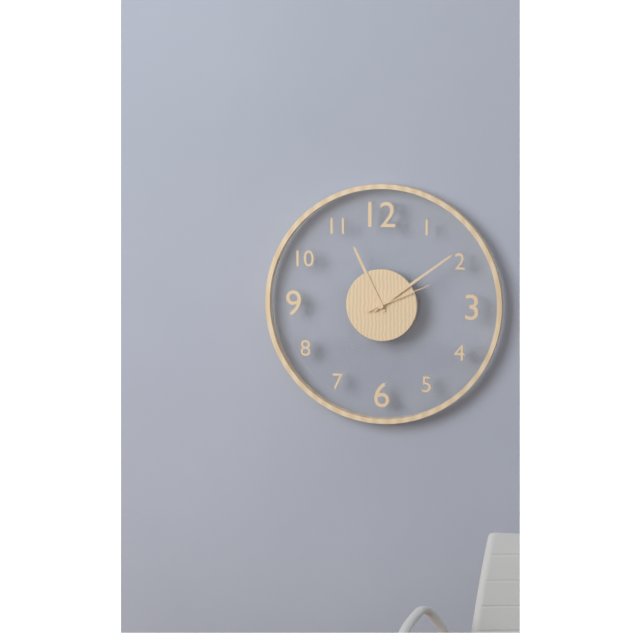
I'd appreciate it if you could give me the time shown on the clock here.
11:09:11
